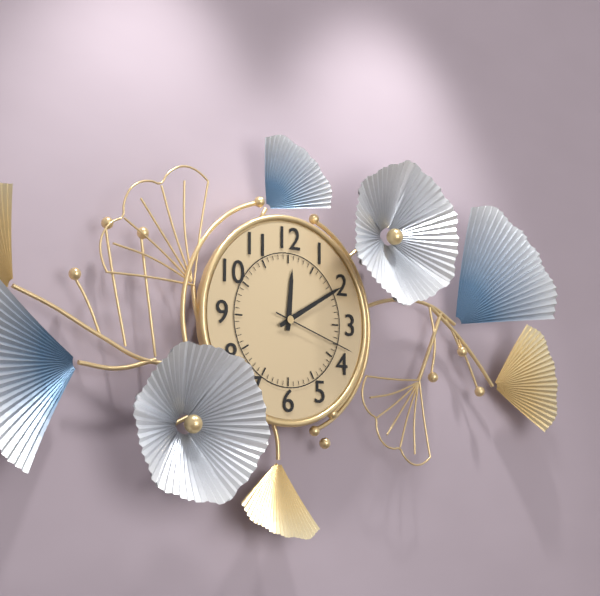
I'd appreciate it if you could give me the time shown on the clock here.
12:10:18
